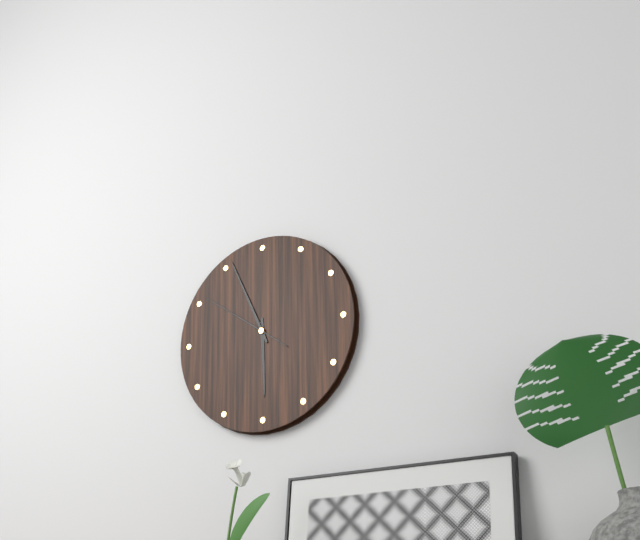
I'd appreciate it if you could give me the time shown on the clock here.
5:56:51
